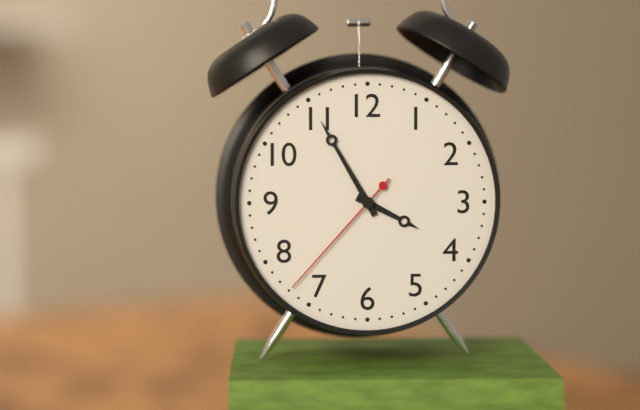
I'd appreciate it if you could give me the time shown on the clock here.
3:55:37
